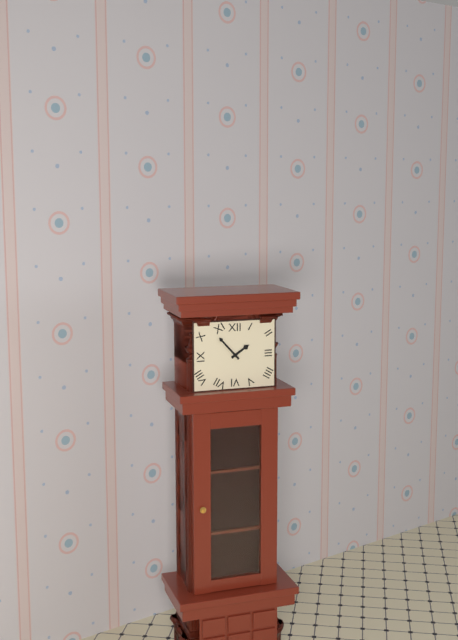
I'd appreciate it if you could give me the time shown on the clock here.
1:53
